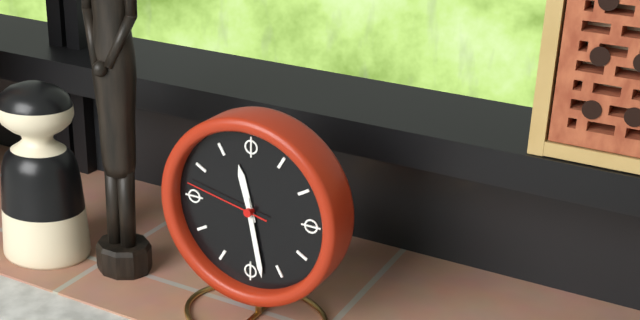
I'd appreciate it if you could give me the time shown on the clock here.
11:28:47
